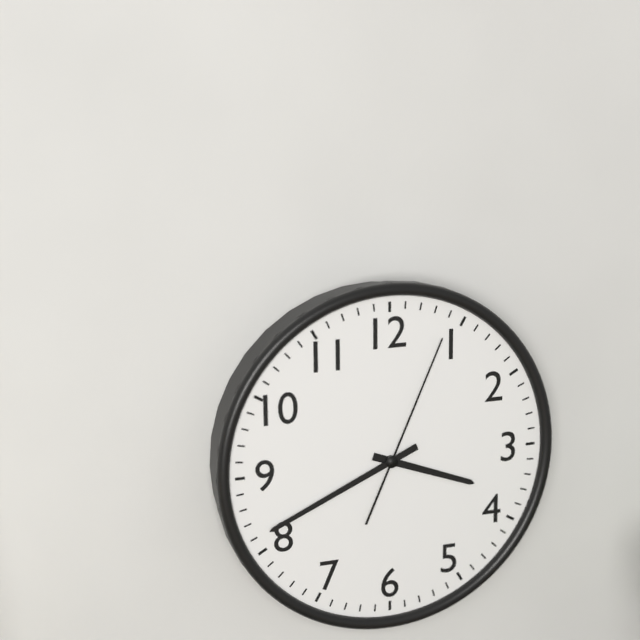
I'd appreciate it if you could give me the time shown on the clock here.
3:41:04
